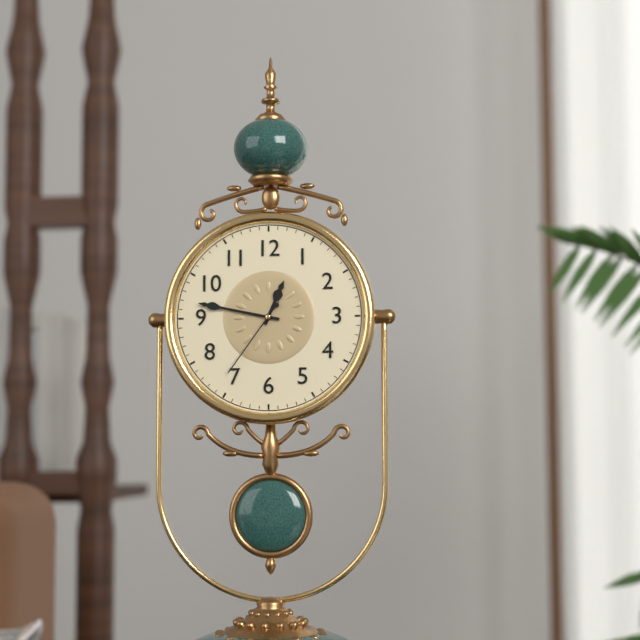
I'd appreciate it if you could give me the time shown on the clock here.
12:47:36
